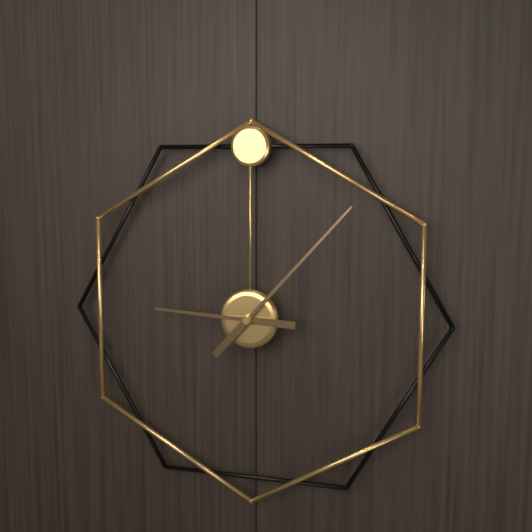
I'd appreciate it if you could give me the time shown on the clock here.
9:07
